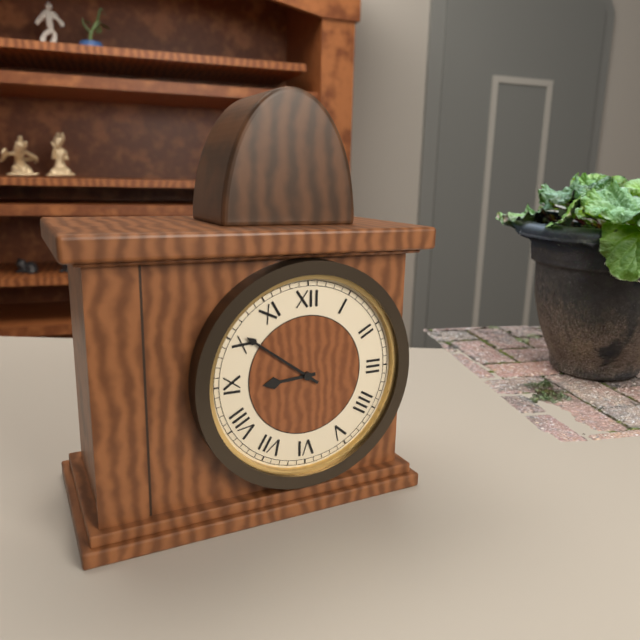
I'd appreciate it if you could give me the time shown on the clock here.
8:51
